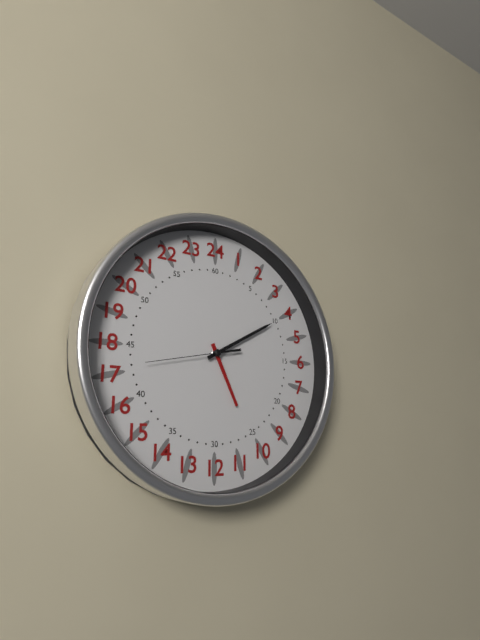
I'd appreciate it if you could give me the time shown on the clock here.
5:10:43
